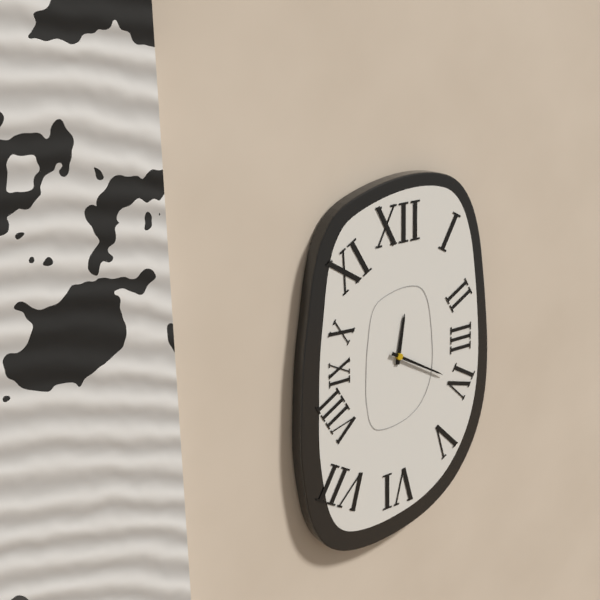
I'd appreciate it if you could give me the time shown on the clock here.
12:20
